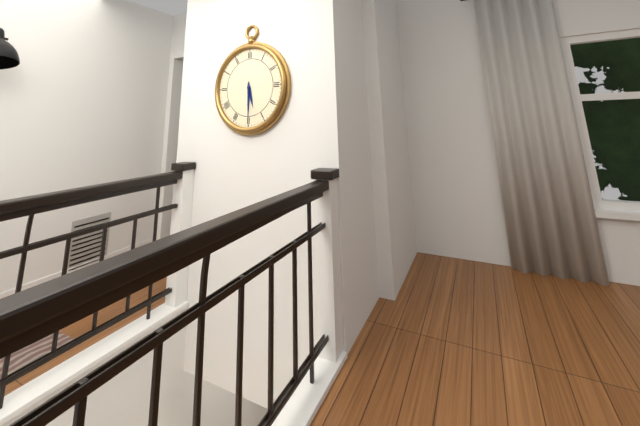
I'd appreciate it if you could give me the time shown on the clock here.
5:30
